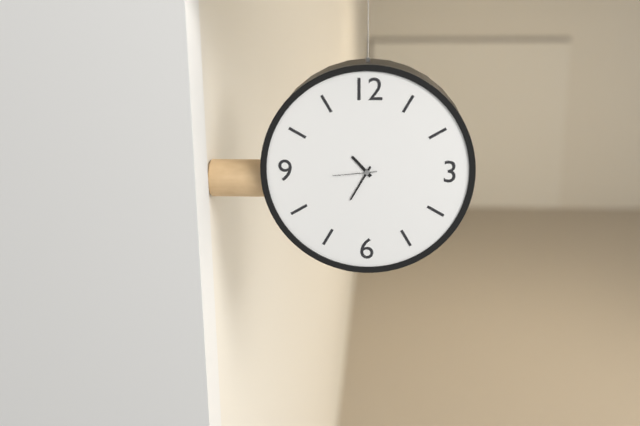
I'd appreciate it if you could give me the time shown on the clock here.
10:35
